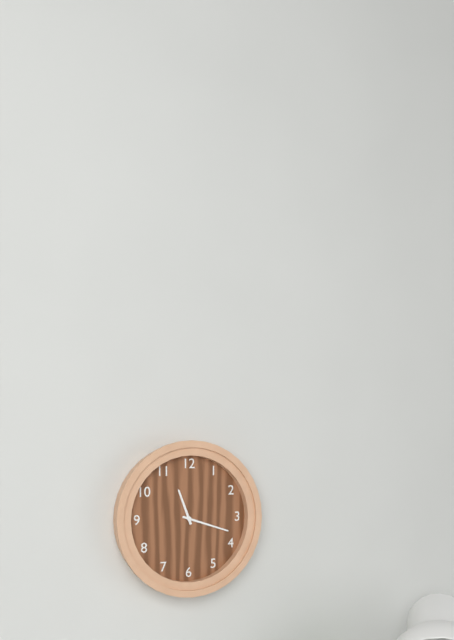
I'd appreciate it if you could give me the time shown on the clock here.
11:18
